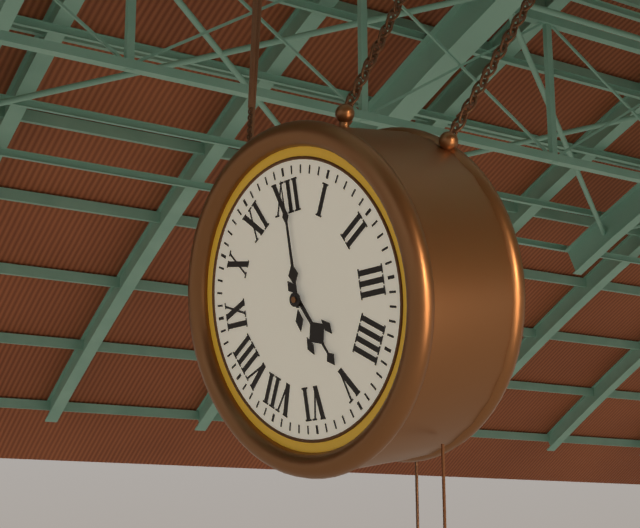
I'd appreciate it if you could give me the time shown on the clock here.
5:00
